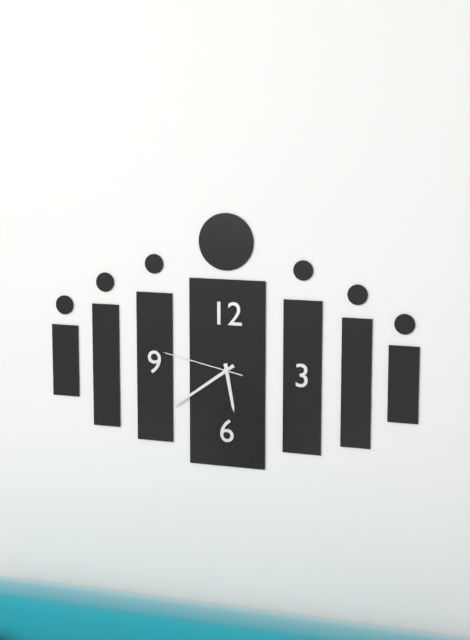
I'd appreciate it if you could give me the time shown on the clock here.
5:39:47
